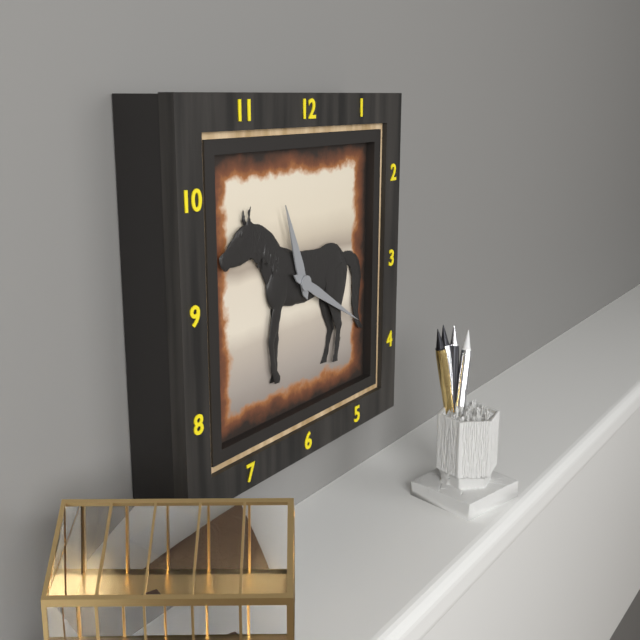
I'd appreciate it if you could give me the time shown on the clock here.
11:20
